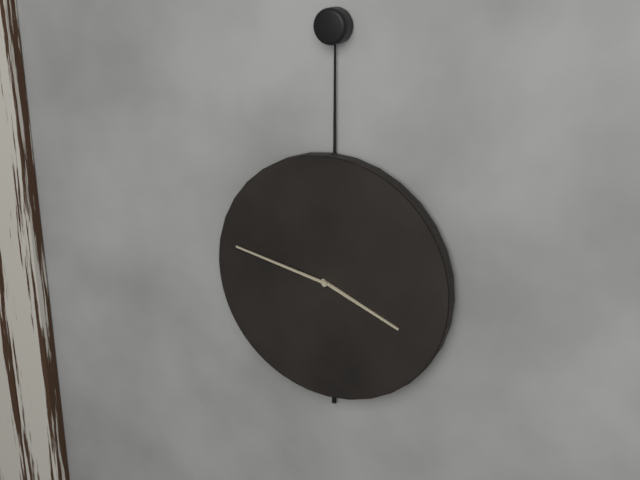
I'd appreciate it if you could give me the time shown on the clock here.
3:47
